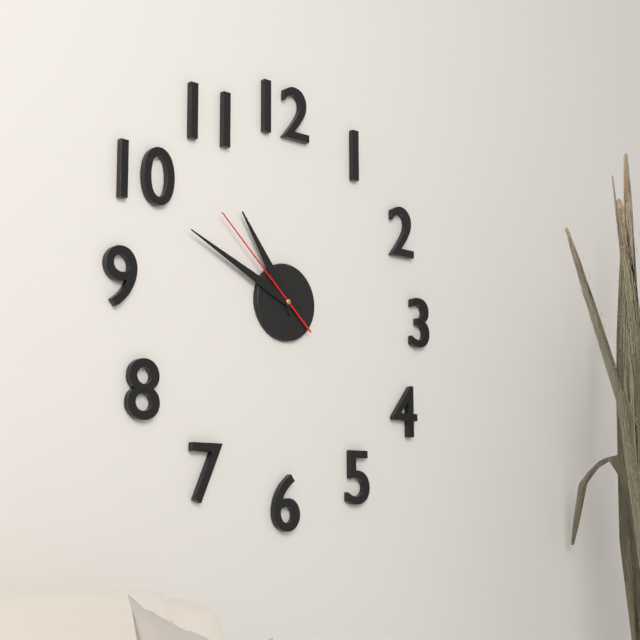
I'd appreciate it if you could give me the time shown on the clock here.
10:49:52
